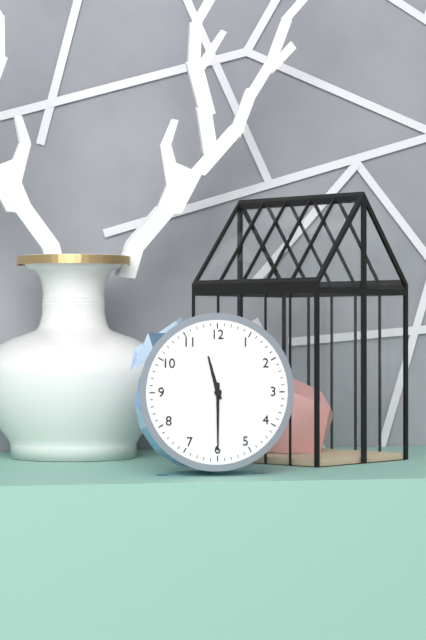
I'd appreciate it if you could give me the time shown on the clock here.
11:30
